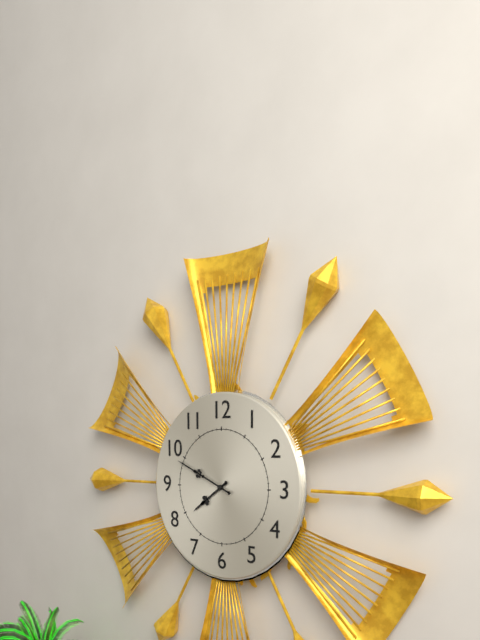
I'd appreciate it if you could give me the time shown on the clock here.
7:49
